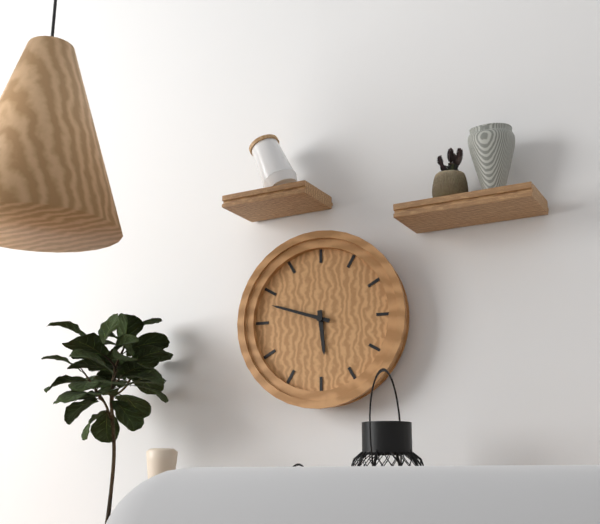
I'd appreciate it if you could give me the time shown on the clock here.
5:48
